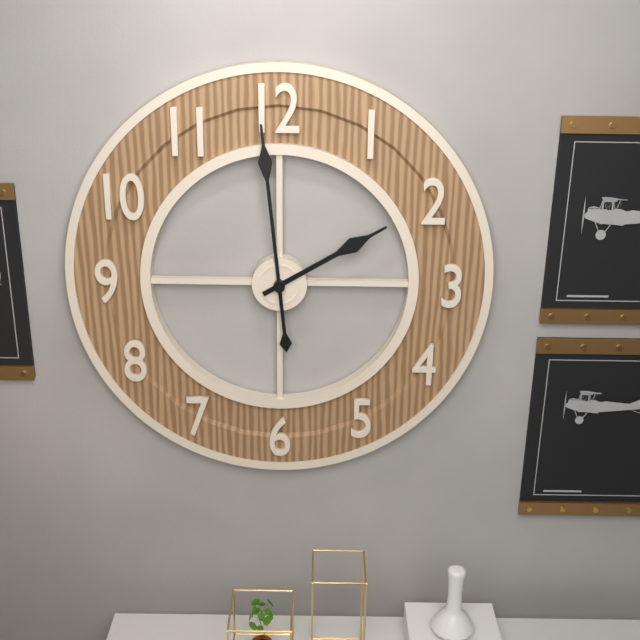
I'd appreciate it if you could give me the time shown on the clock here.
1:59
